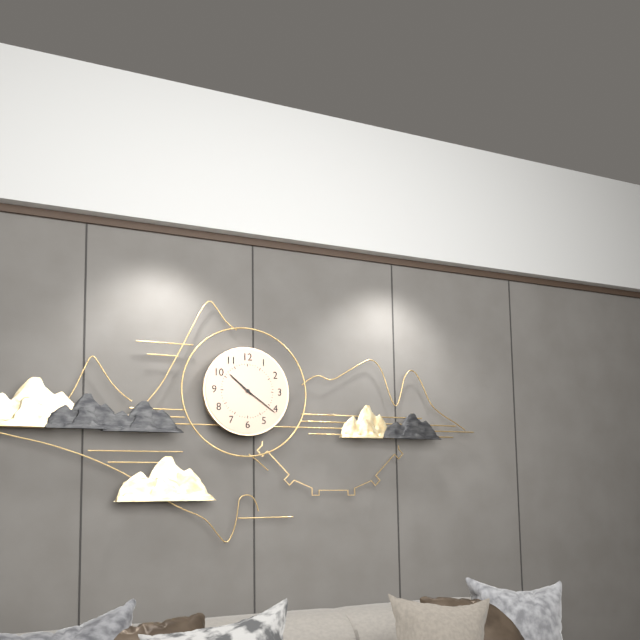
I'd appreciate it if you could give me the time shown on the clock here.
10:21
